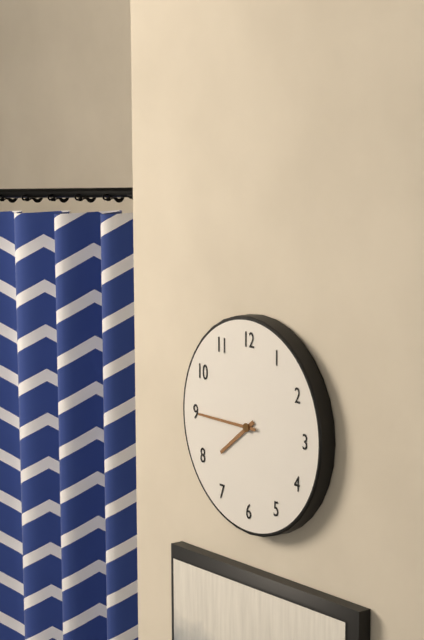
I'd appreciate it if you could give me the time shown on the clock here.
7:45
